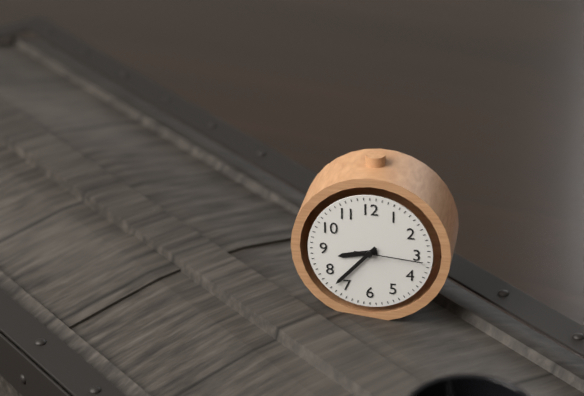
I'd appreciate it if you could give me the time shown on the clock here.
8:37:16
